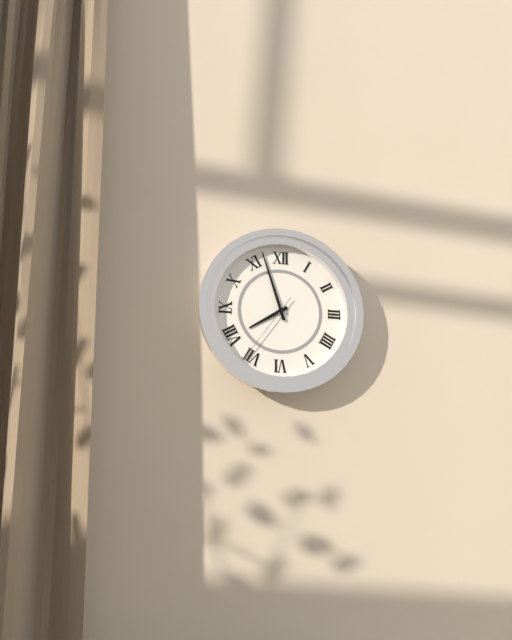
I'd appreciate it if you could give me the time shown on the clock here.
7:57:36
